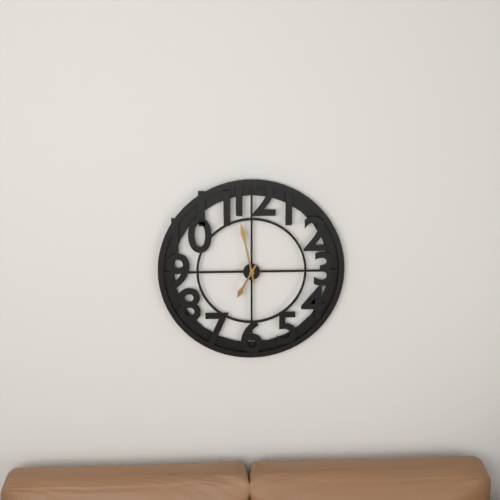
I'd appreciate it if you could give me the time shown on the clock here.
6:58
